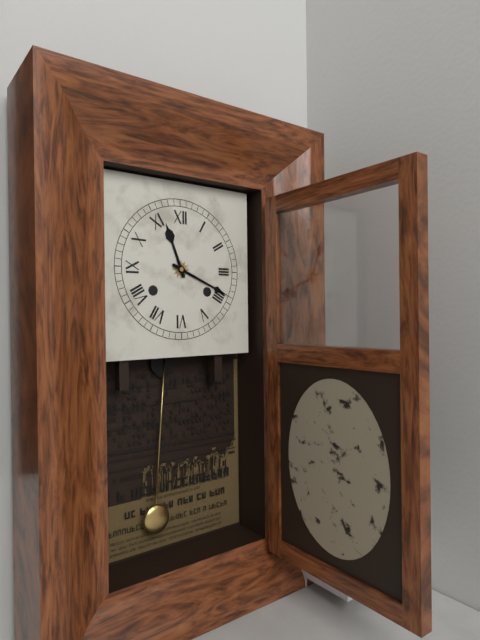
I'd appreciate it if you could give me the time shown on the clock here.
11:19
